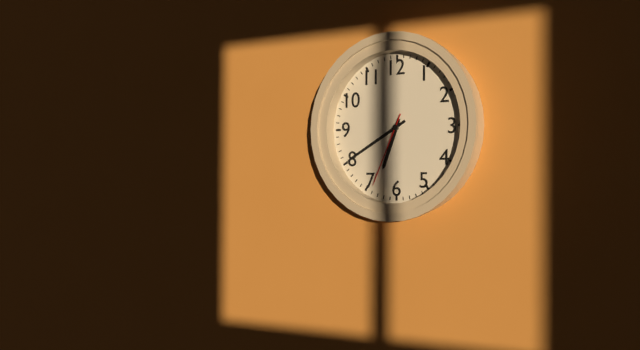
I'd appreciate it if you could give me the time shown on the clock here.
6:40:34
